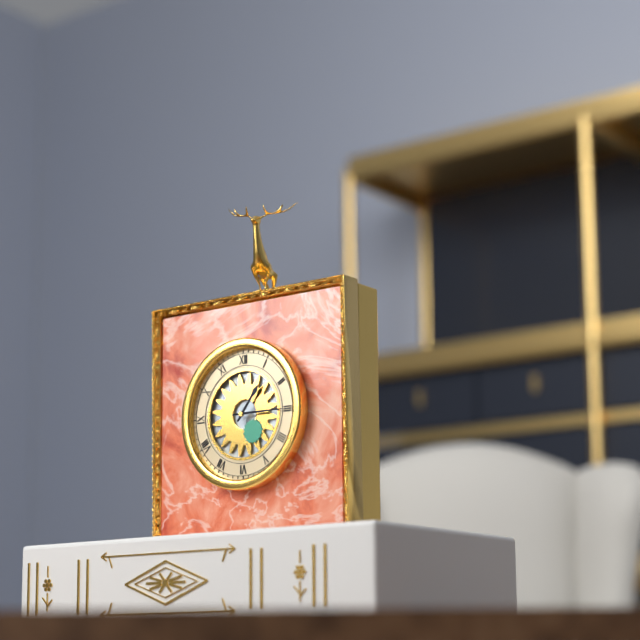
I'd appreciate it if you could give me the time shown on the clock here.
1:15
